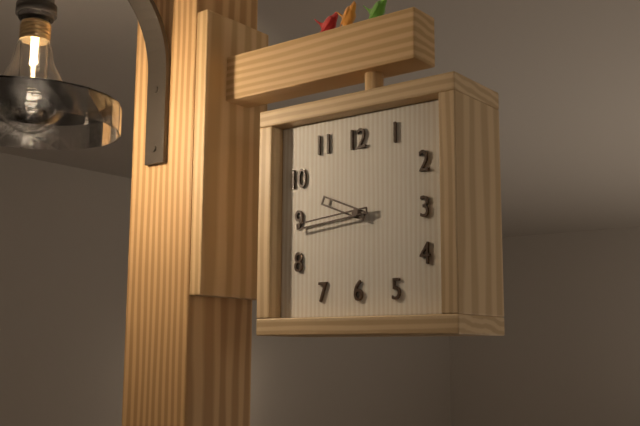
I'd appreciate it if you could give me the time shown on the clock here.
9:44
